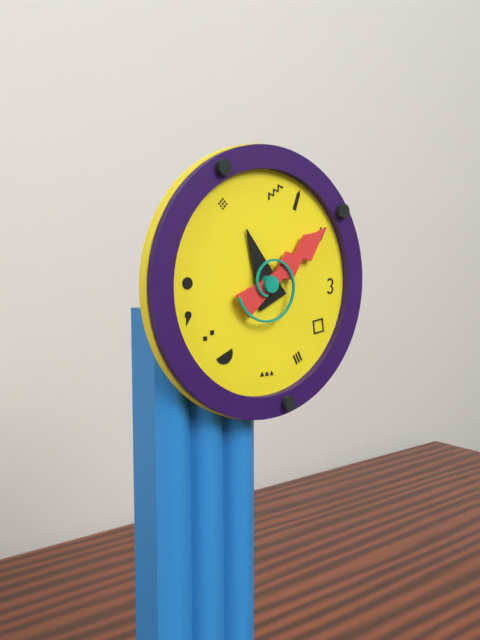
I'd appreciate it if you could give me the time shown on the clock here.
11:09
